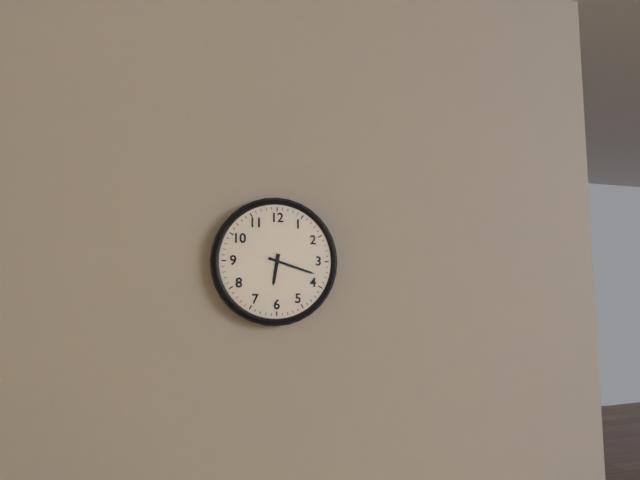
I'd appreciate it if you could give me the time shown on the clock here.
6:18
